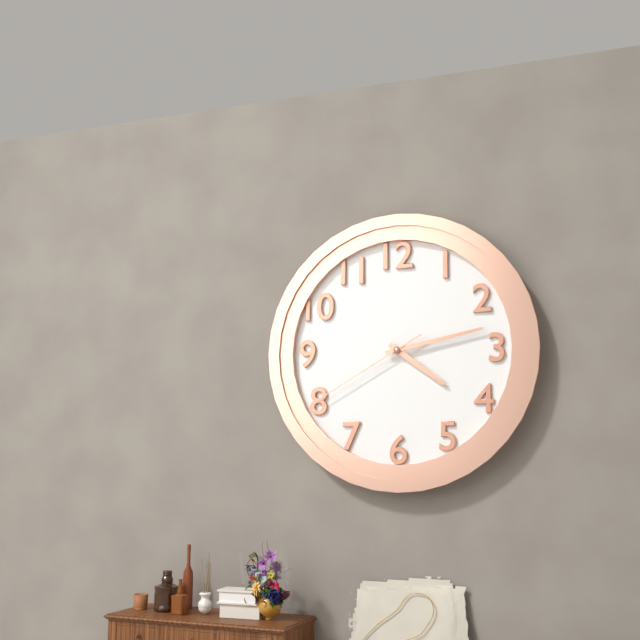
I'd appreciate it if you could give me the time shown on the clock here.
4:13:40
